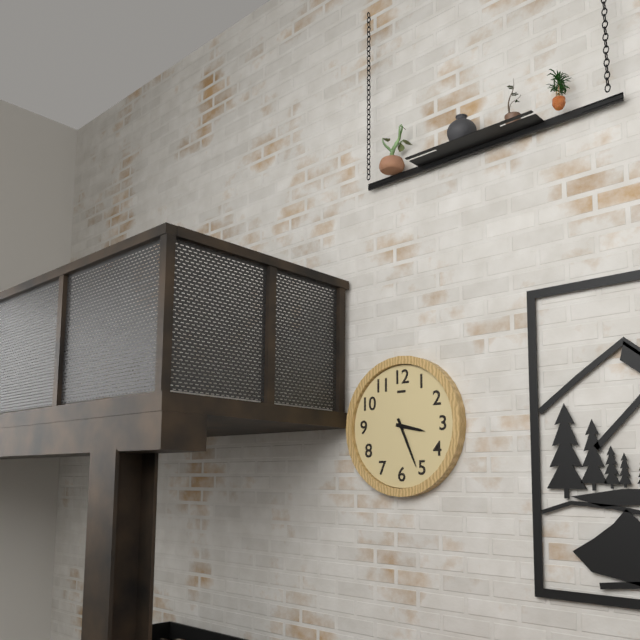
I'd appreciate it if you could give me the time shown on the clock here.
3:26
